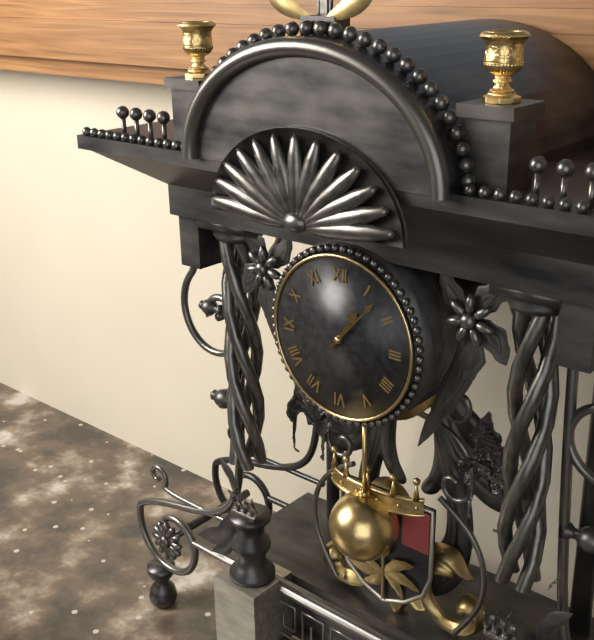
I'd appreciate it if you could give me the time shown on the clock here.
1:07
